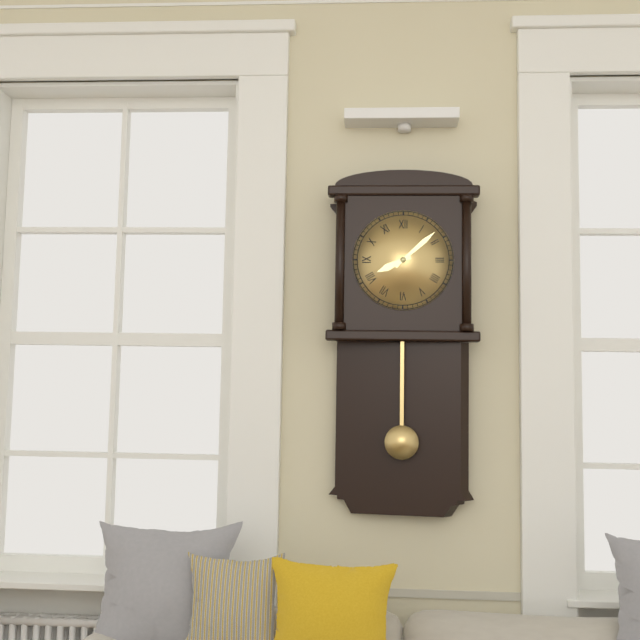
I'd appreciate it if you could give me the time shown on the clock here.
8:08
